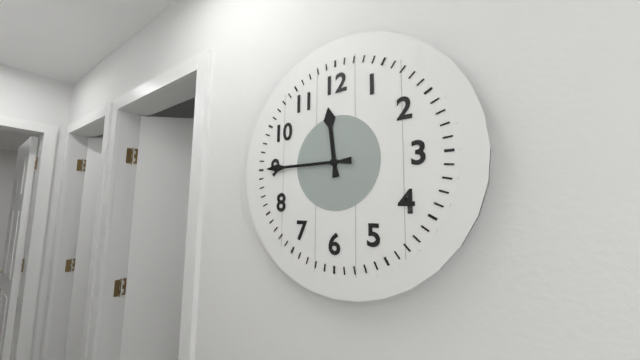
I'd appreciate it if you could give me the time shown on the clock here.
11:45
